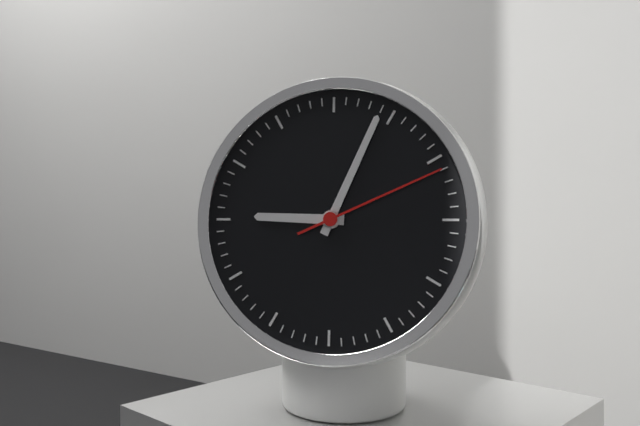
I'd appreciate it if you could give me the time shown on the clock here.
9:04:11
